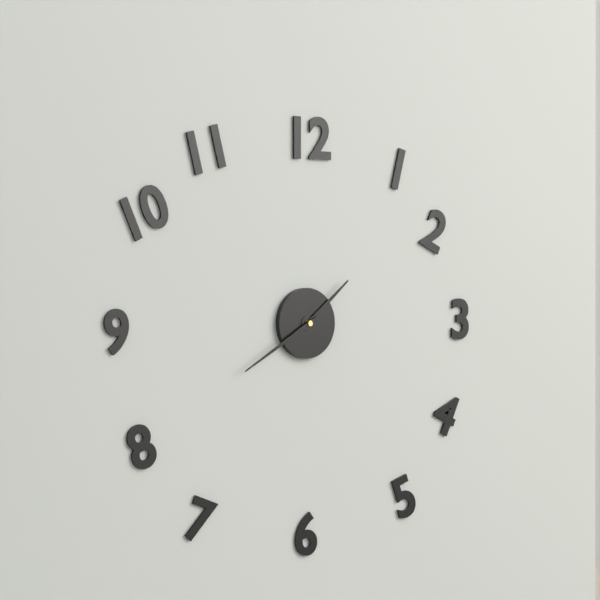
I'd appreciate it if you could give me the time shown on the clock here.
1:40
